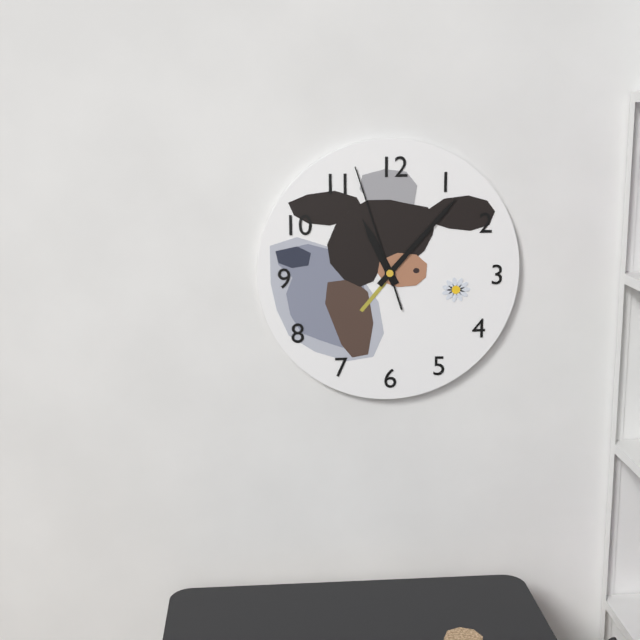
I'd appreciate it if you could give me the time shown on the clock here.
11:07:57
